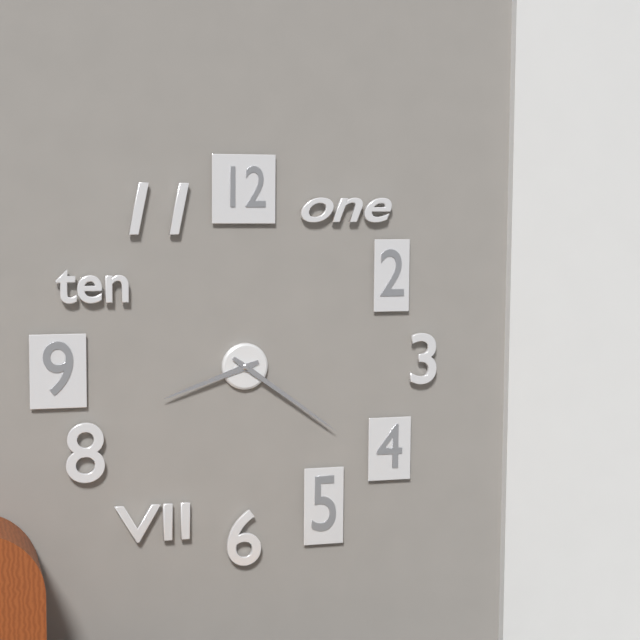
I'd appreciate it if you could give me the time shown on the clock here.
8:21
